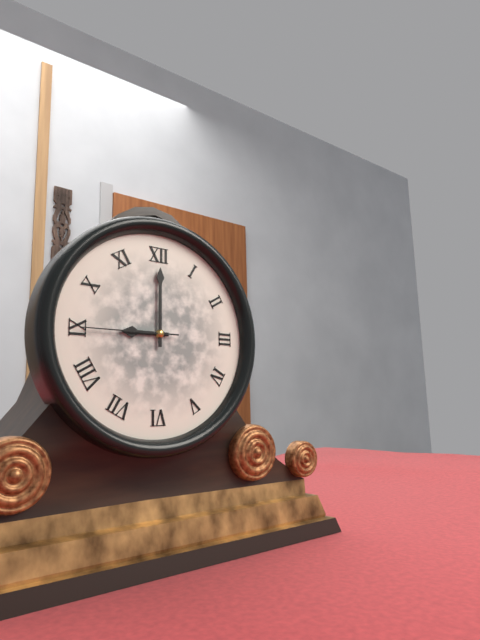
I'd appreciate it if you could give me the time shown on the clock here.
9:00:45
